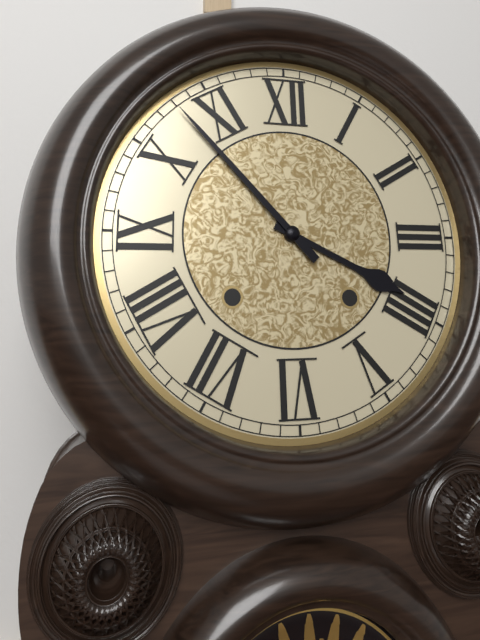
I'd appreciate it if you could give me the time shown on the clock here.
3:53
